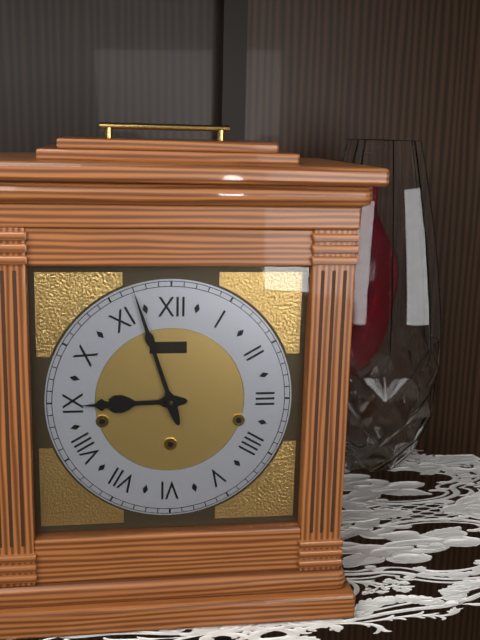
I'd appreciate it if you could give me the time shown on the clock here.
8:57
